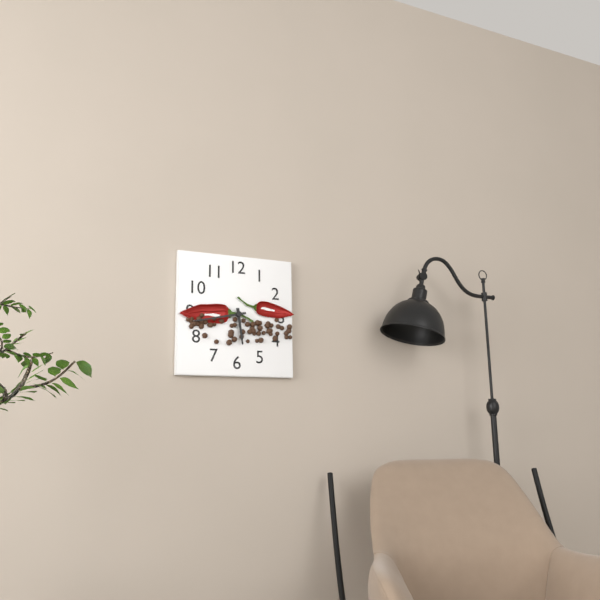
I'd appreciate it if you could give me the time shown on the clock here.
5:43
